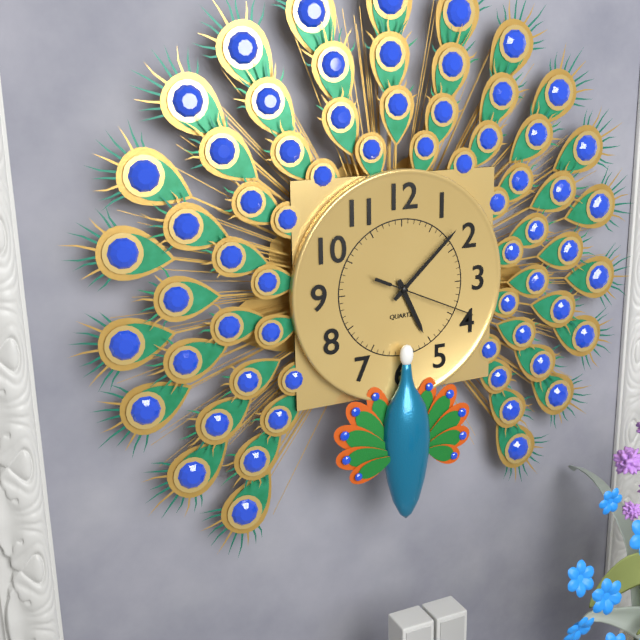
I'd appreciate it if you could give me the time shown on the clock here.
5:08:19
